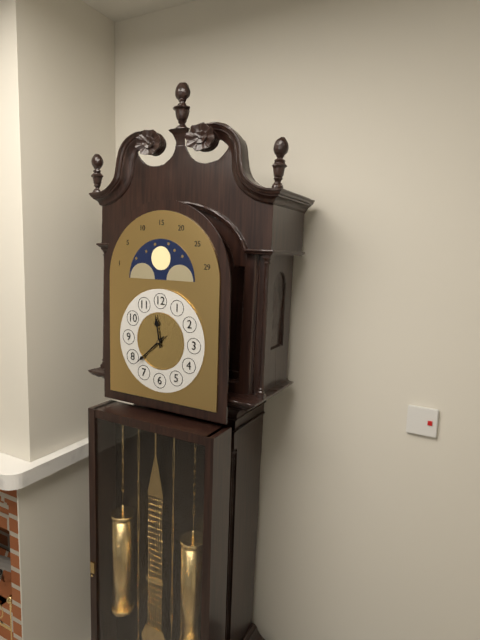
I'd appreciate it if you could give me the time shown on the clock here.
11:38
